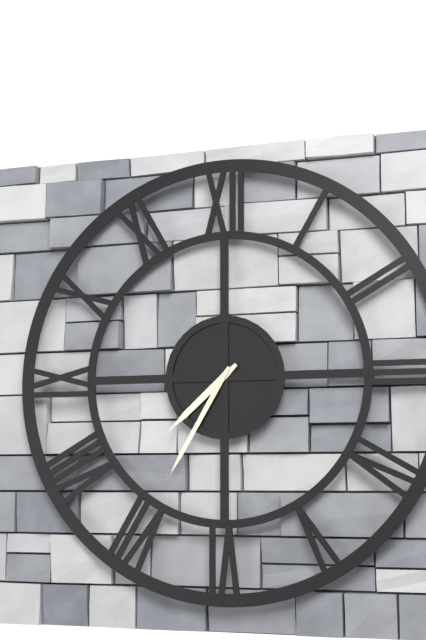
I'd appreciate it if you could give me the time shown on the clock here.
7:35
